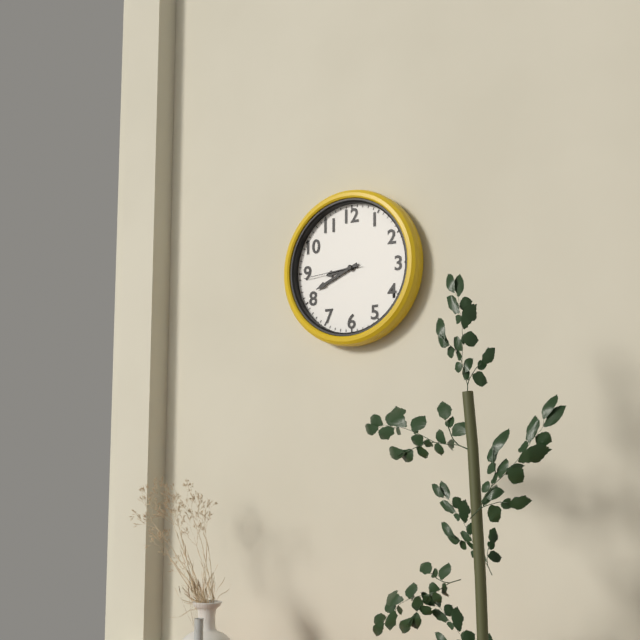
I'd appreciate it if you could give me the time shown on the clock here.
8:41:44
